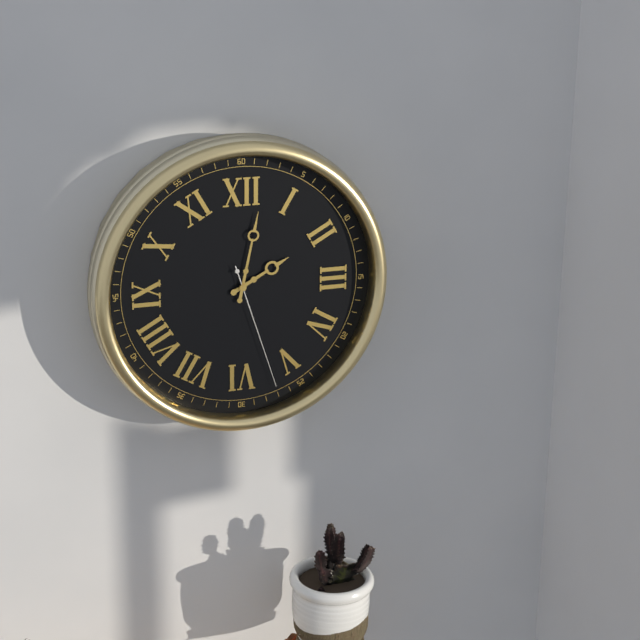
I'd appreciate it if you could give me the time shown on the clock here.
2:02:27
